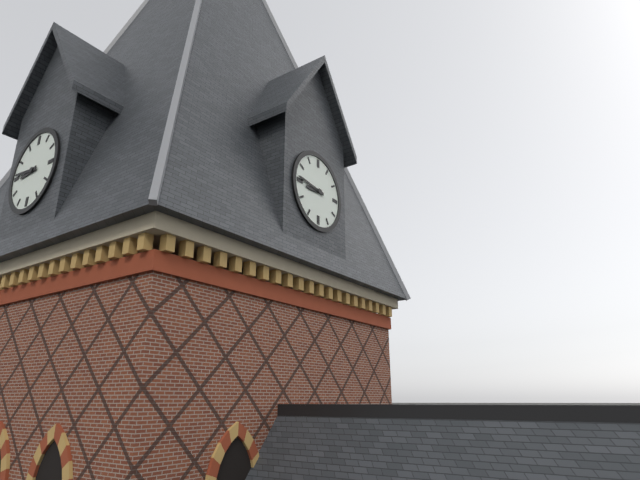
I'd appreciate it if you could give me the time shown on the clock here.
8:46
